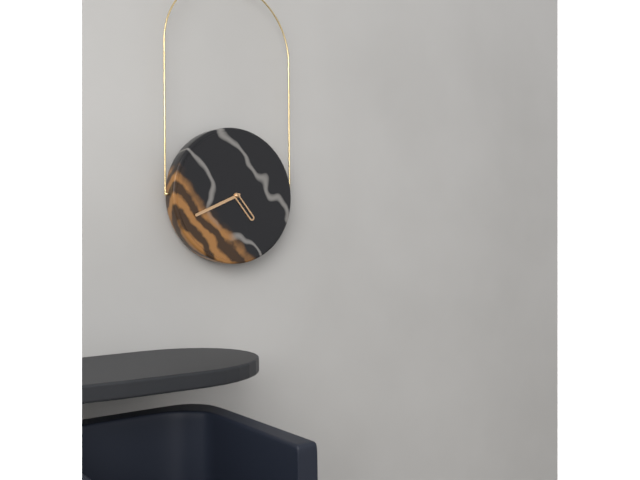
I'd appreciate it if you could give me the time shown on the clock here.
4:41
